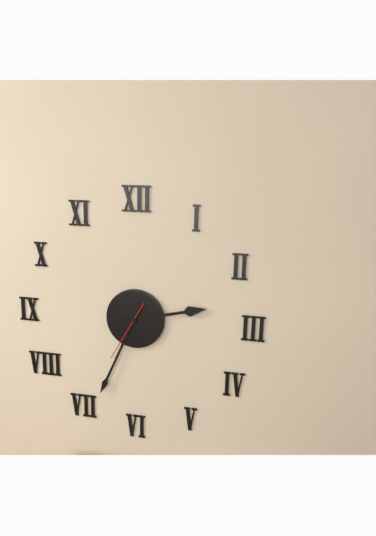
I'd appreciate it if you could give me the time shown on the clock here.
2:34:35
